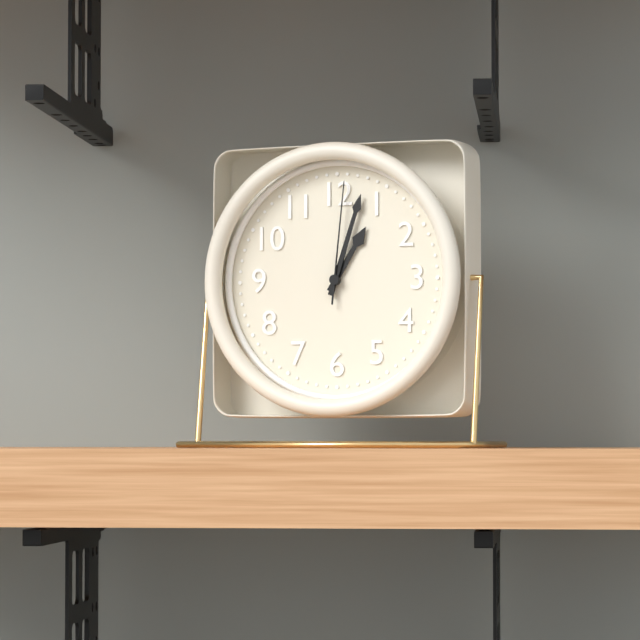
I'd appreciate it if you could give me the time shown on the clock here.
1:03:01
